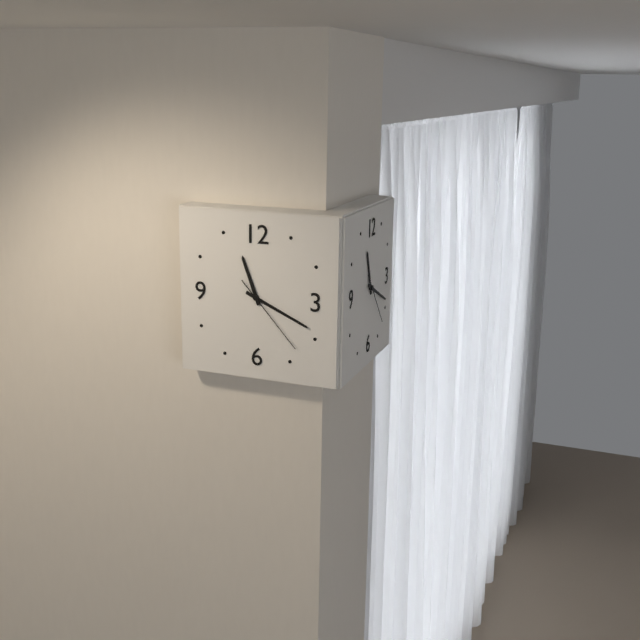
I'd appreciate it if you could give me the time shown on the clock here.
11:19:23
